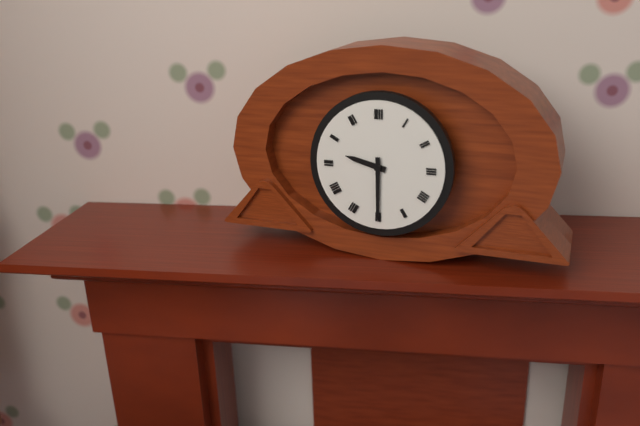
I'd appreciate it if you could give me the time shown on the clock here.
9:30
